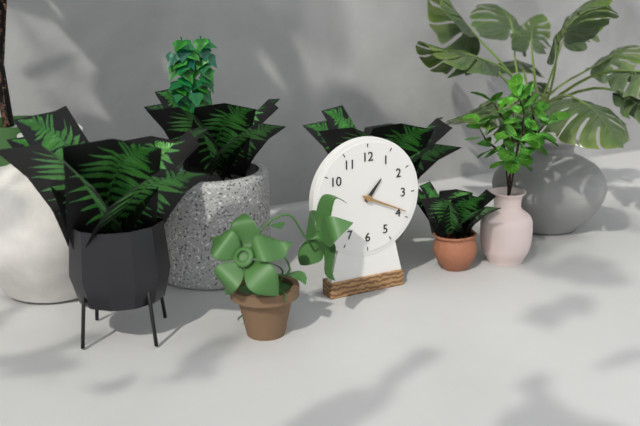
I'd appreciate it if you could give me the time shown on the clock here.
1:19
